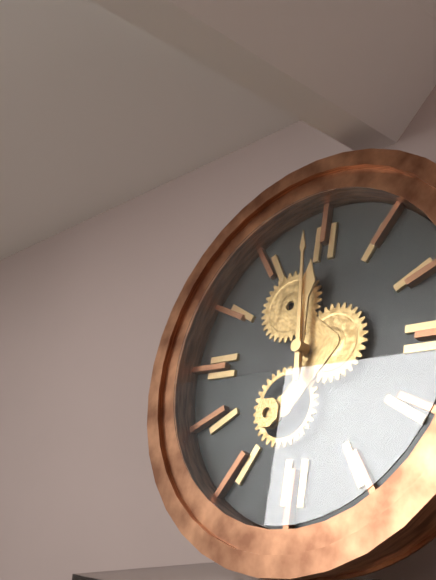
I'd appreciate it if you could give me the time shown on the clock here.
11:59
